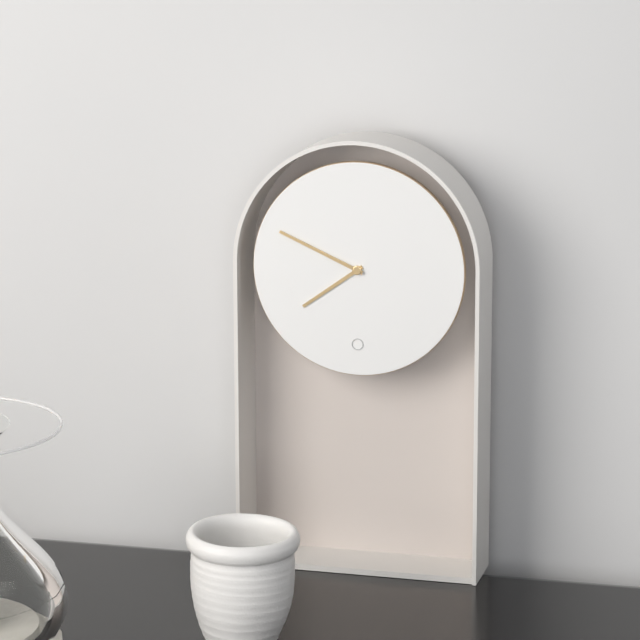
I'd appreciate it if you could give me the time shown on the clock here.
7:49
